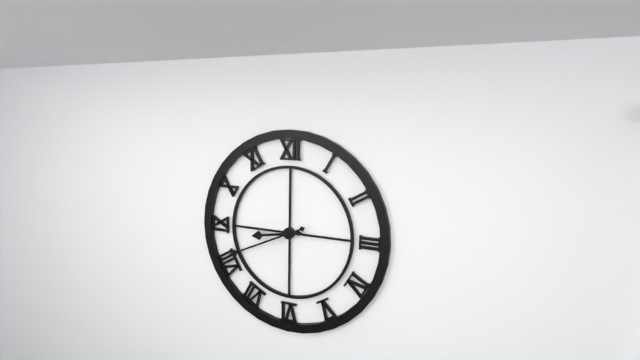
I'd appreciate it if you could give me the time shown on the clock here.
8:41
